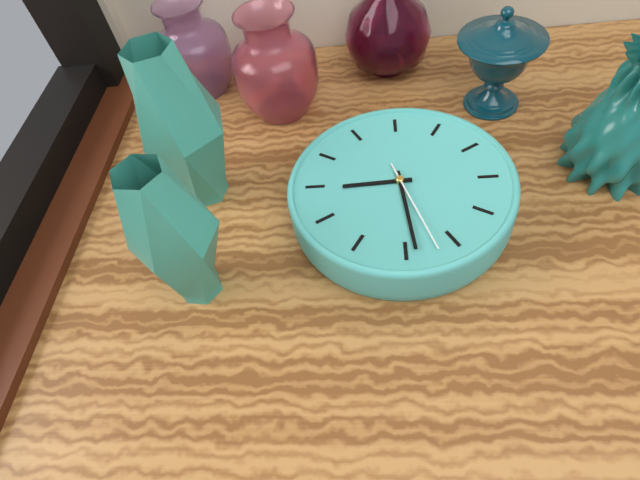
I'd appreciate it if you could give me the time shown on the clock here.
1:54:52
